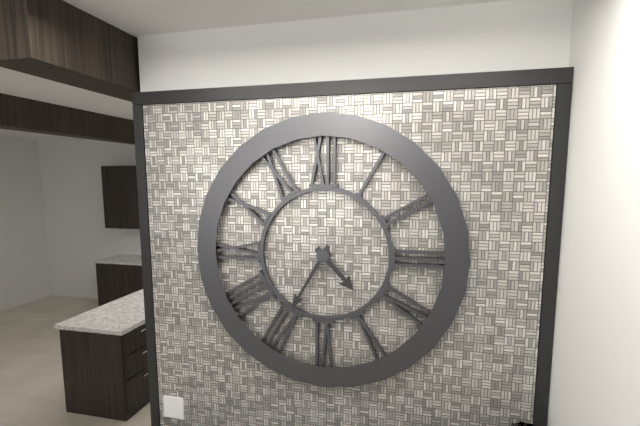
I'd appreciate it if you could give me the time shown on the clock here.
4:35
